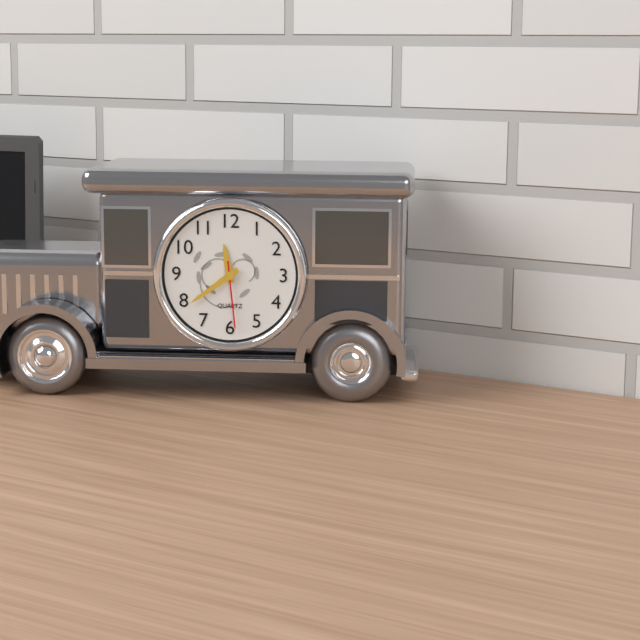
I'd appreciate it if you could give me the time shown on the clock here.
11:39:29
